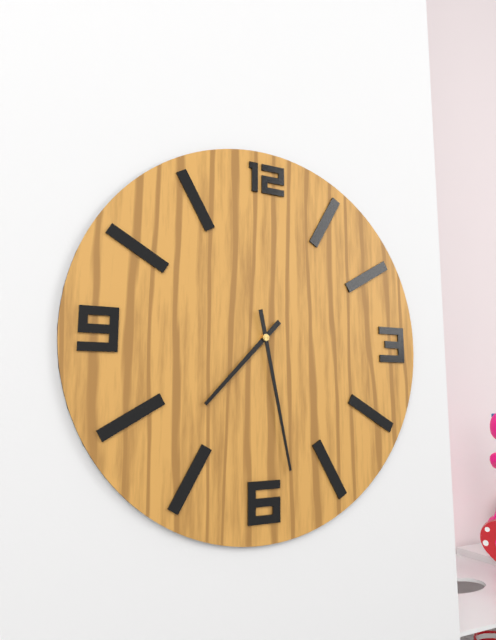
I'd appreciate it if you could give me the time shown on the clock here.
7:28
